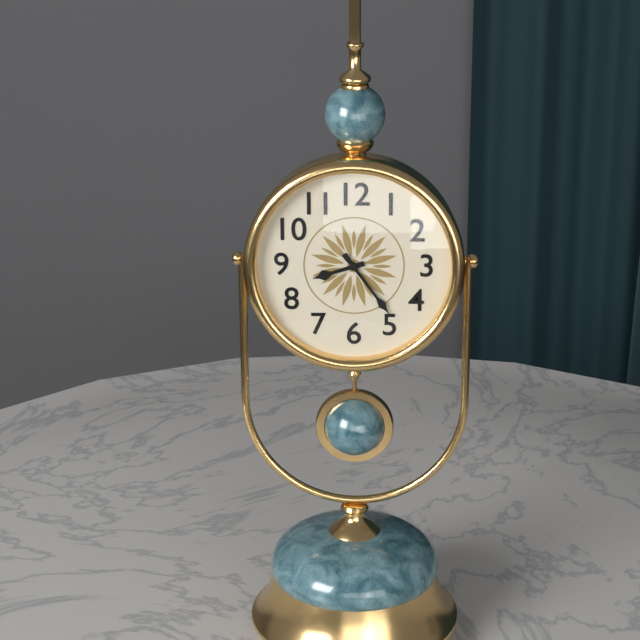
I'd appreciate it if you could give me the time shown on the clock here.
8:24
